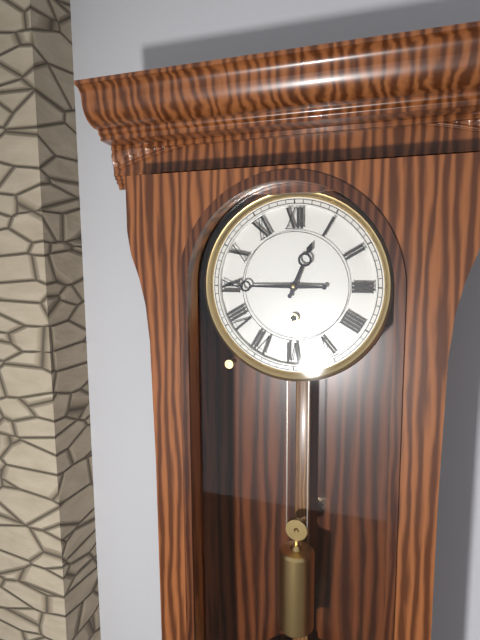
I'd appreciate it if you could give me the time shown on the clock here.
12:45
